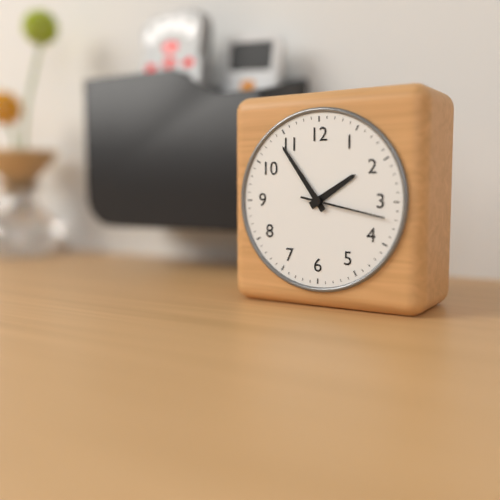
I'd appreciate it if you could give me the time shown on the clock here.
1:54:17
